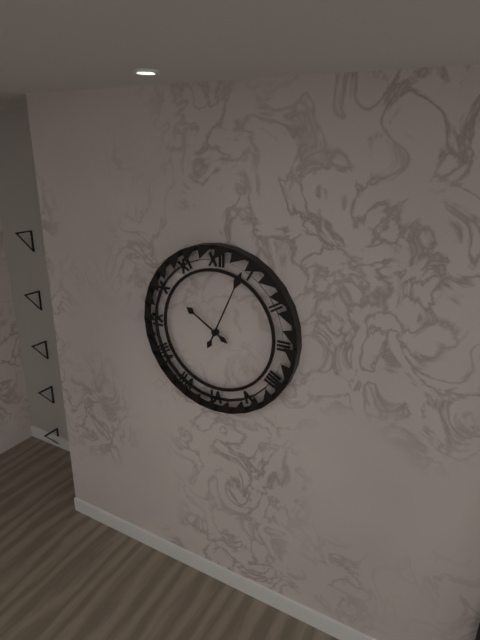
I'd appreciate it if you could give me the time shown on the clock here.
10:04
